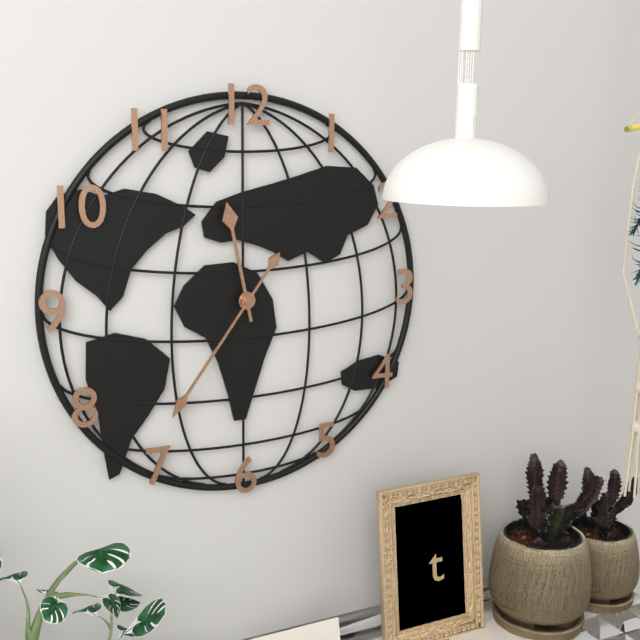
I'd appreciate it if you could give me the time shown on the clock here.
11:36
